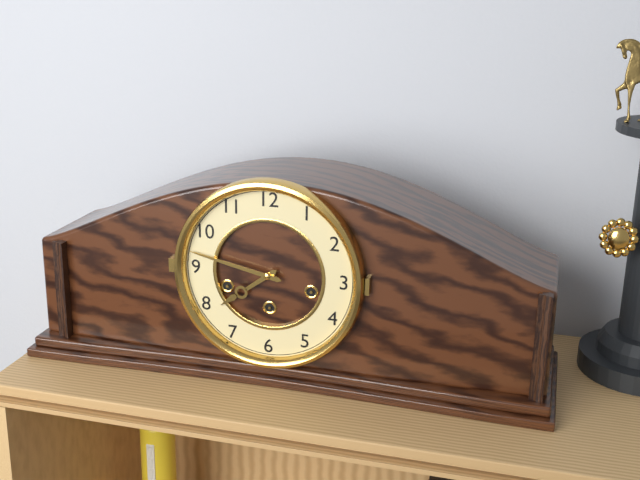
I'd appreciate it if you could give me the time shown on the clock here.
7:47
